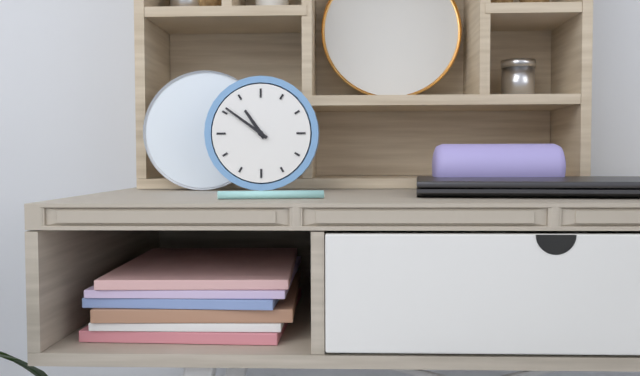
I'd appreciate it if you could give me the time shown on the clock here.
10:51
